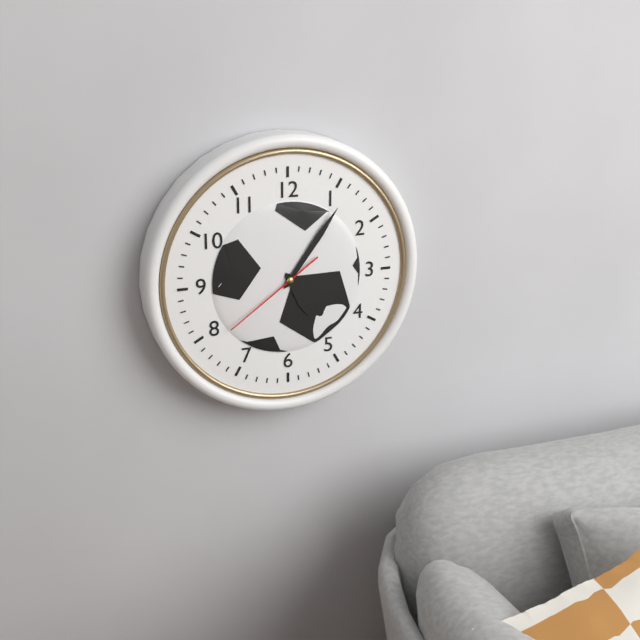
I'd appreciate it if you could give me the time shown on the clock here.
5:06:39
